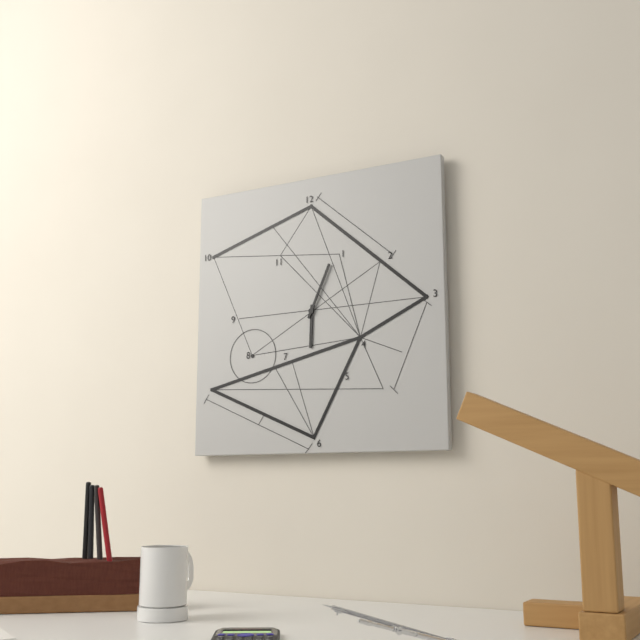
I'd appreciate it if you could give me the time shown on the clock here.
6:04
